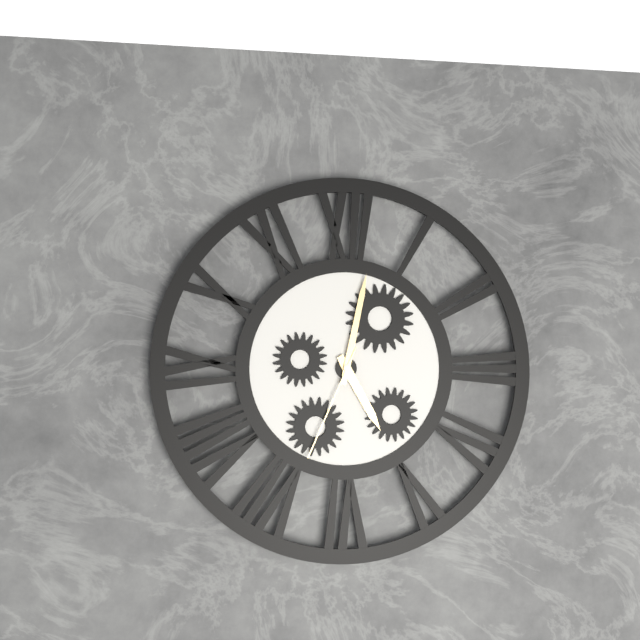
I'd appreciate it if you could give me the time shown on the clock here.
5:02:34
